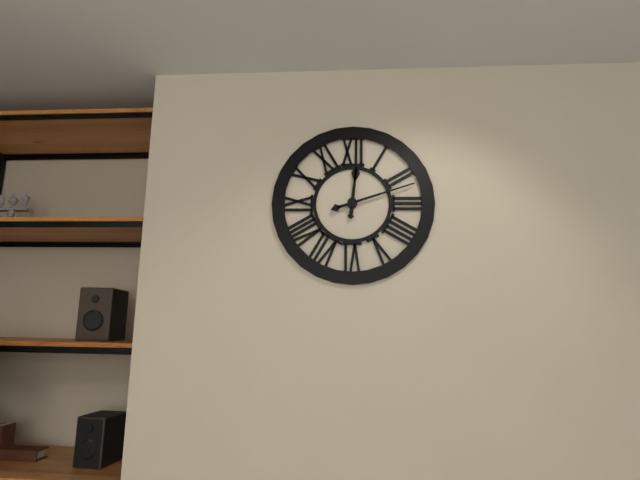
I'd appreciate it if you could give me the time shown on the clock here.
12:12
